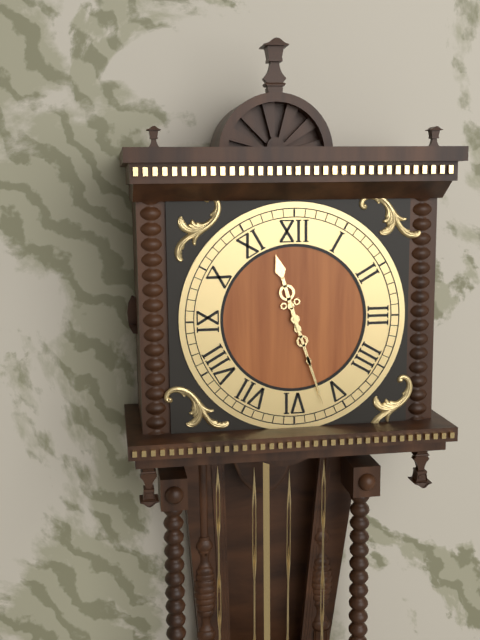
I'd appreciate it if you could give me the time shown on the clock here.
11:27
